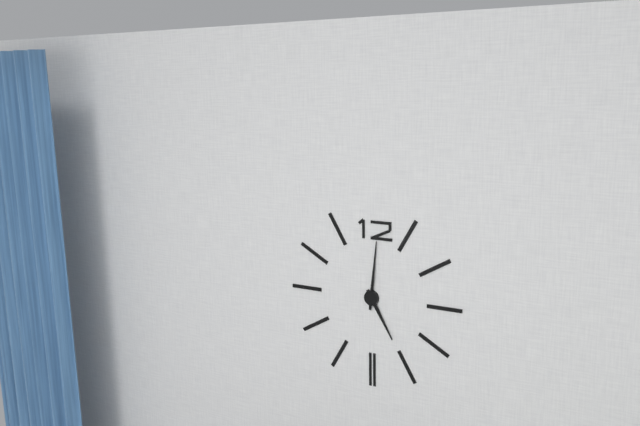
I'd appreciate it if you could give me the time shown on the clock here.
5:01
